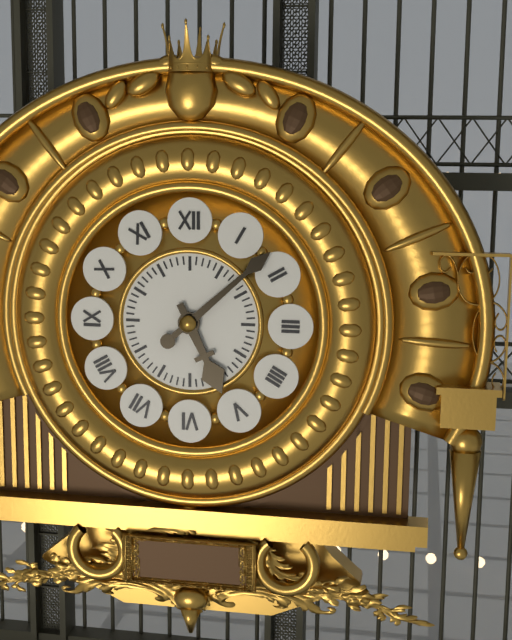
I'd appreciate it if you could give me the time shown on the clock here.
5:08
